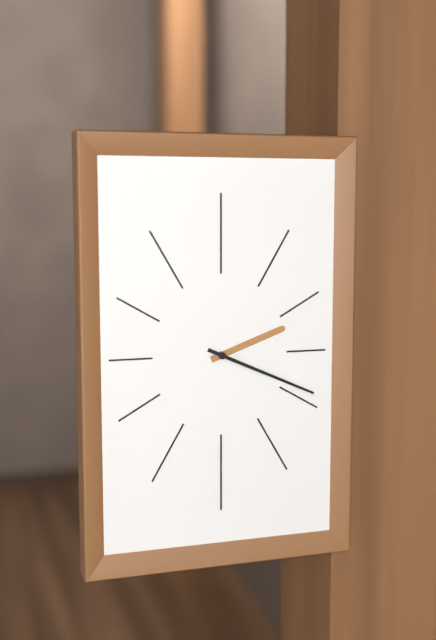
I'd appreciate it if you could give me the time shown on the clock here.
2:19
